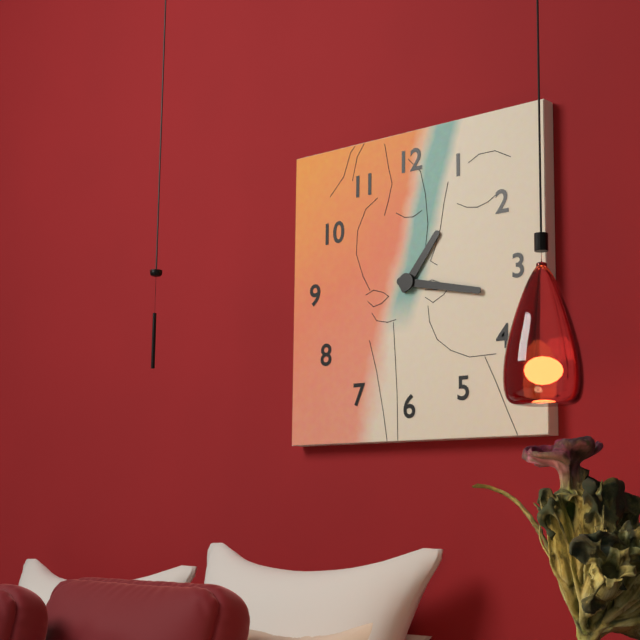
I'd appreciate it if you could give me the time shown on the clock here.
1:17
